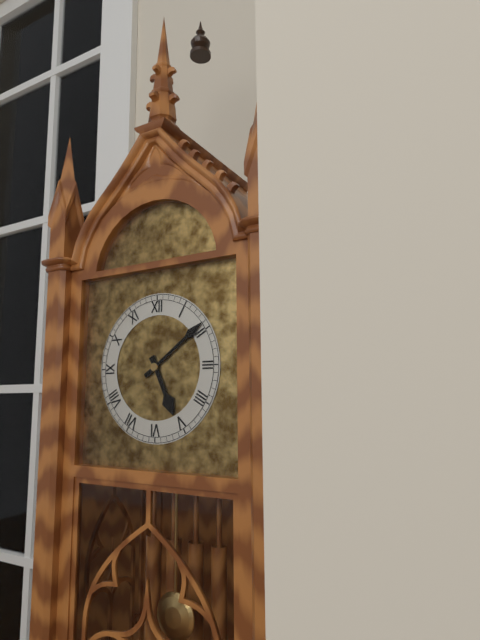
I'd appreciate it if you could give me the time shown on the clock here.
5:09
